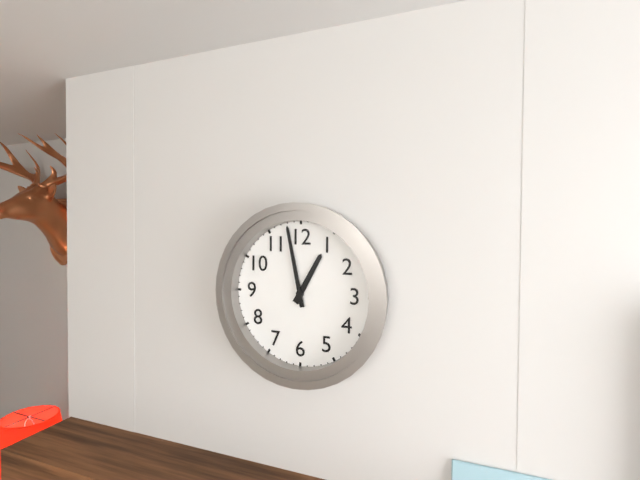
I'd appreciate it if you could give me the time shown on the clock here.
12:58
